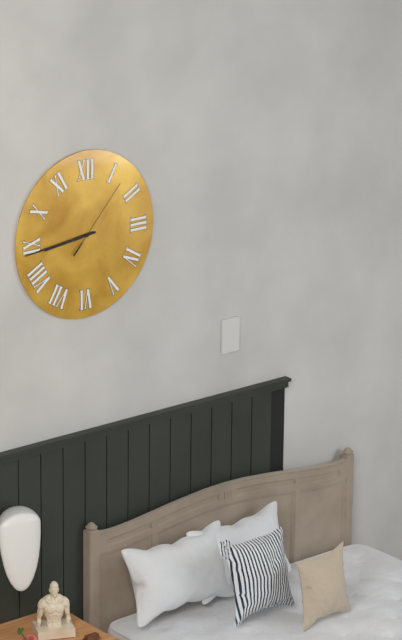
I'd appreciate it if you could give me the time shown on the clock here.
8:44:07
